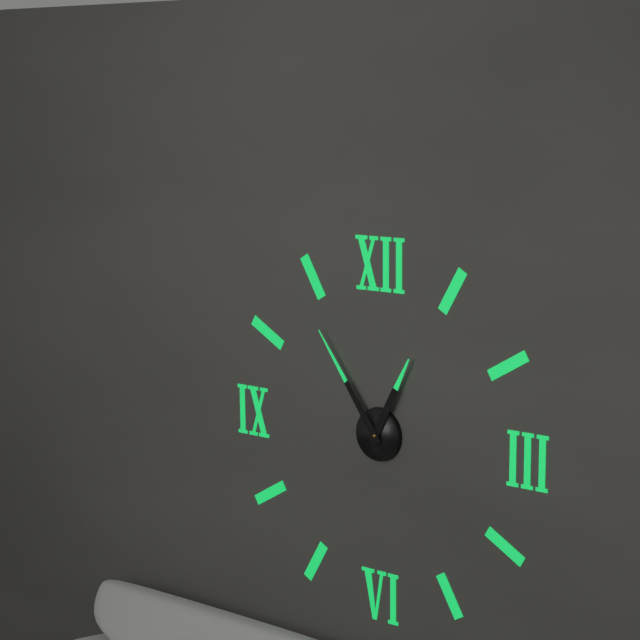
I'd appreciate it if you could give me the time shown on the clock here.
12:54
